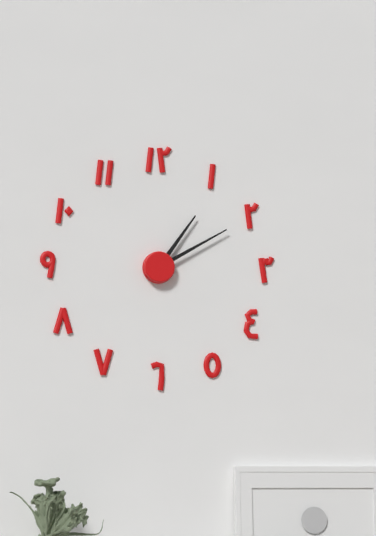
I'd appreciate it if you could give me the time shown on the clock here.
1:10
